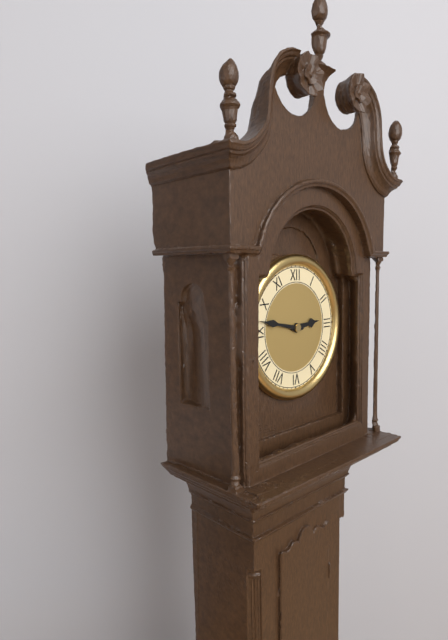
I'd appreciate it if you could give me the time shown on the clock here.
2:47
